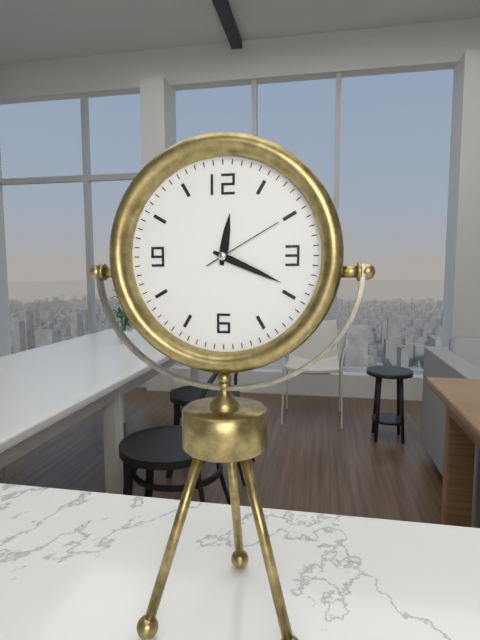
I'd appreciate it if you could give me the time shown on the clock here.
12:19:10
